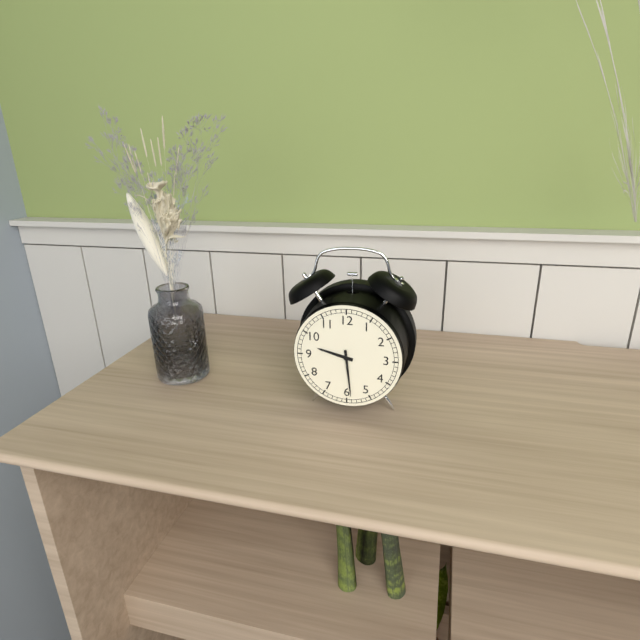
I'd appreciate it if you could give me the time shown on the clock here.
9:29
